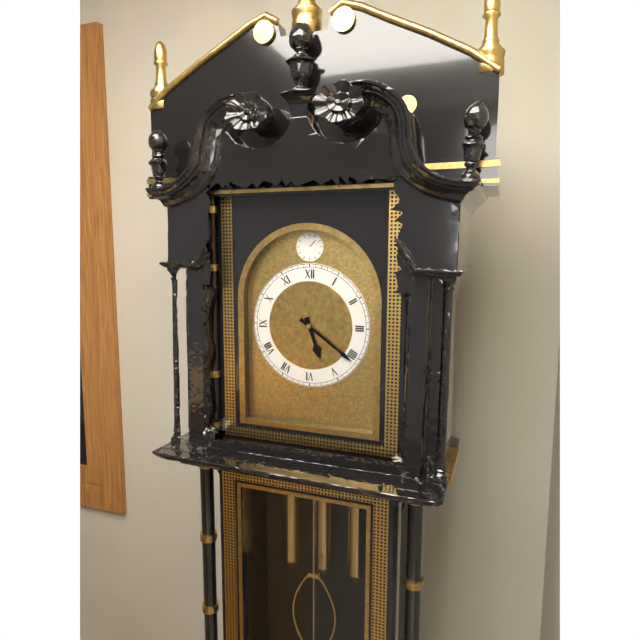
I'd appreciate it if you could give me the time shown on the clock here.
5:21
